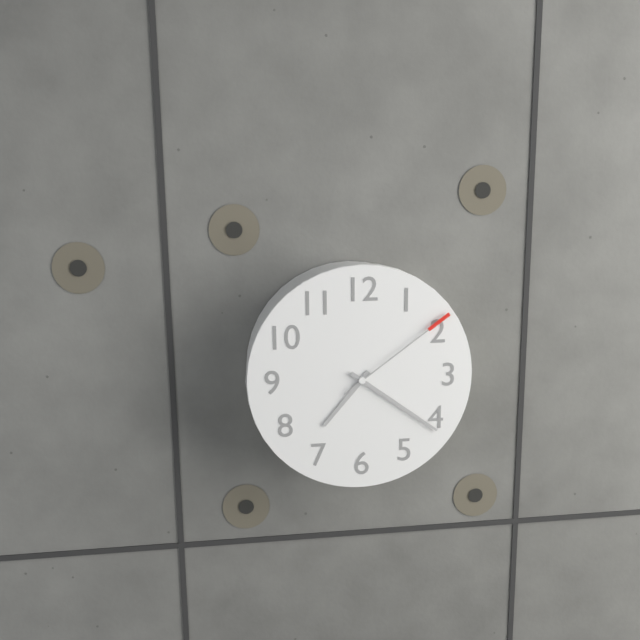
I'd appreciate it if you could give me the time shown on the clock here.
7:21:09
